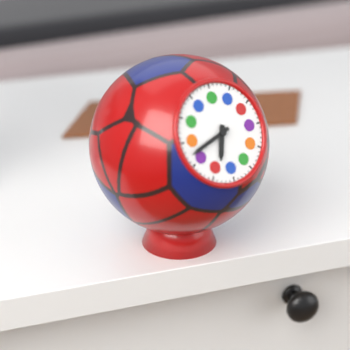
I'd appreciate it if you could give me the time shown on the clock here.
6:42
